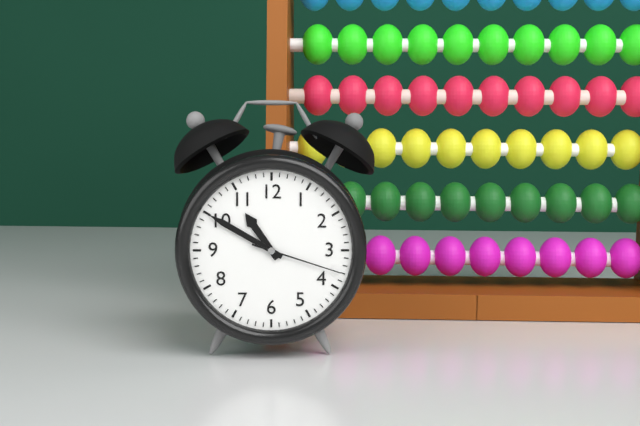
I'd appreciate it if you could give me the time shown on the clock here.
10:50:18
